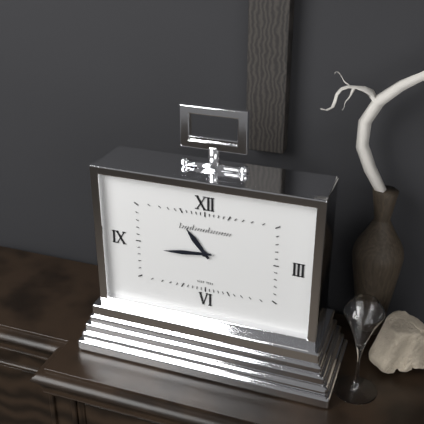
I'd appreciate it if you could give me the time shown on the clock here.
10:44
